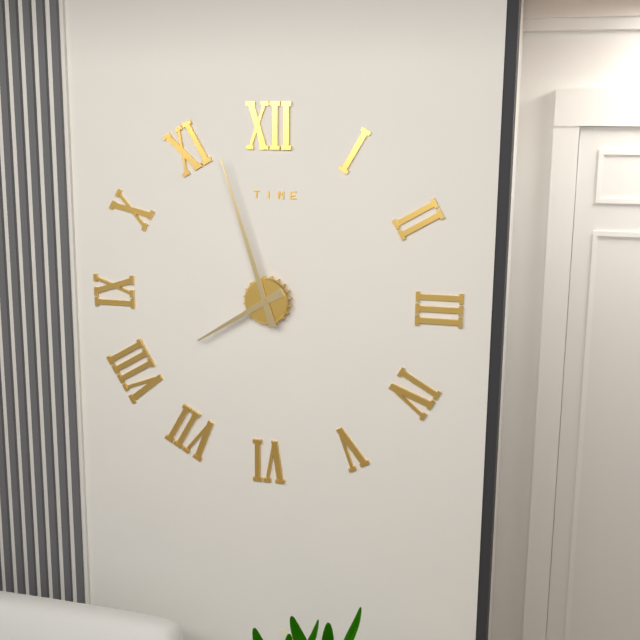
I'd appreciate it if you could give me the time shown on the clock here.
7:57
